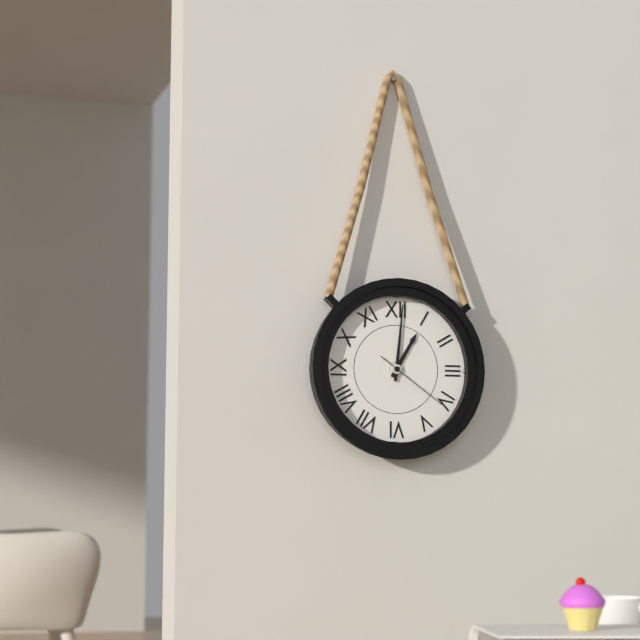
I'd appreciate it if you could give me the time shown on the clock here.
1:01:21
